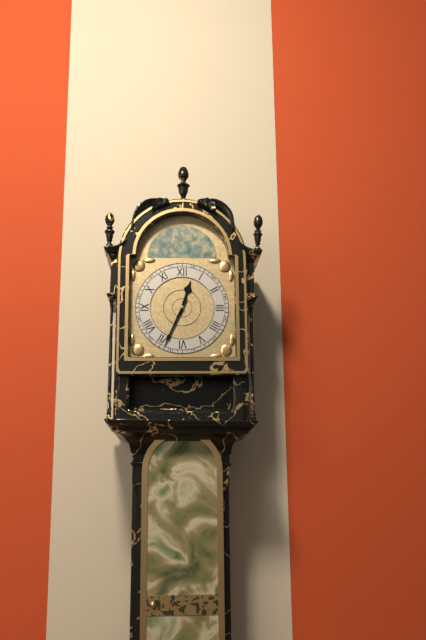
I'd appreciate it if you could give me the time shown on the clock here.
12:34
